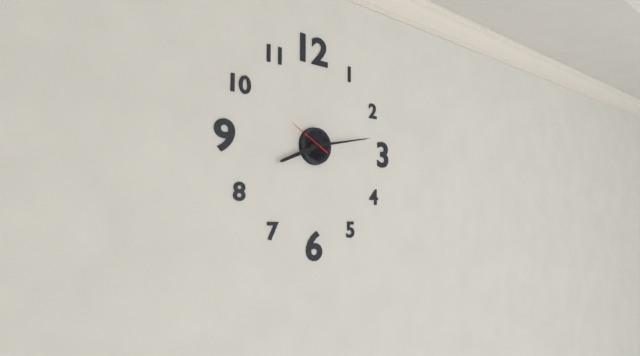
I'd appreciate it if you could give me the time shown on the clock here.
8:13
